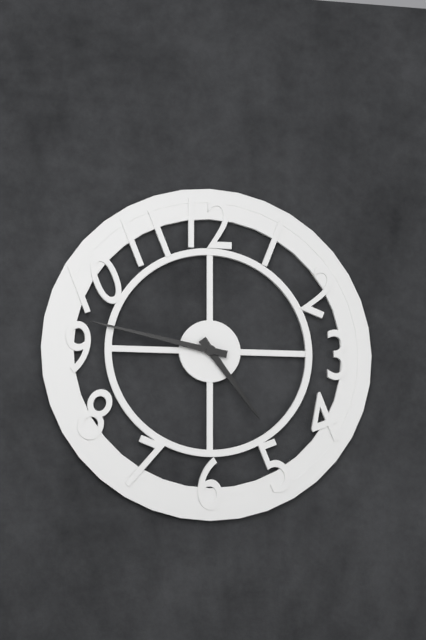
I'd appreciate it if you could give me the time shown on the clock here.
4:47
